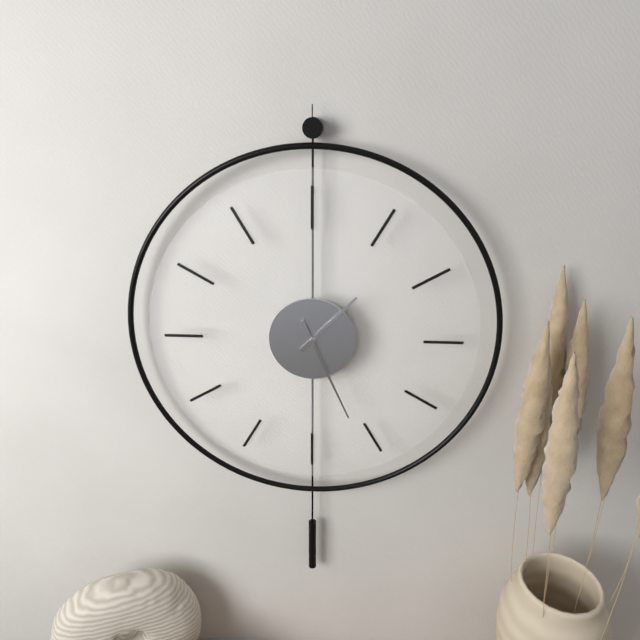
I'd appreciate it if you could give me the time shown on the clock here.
1:26
